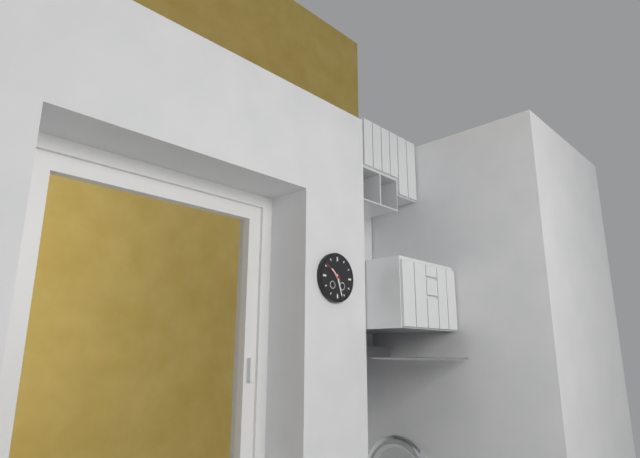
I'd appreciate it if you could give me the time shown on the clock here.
10:27
